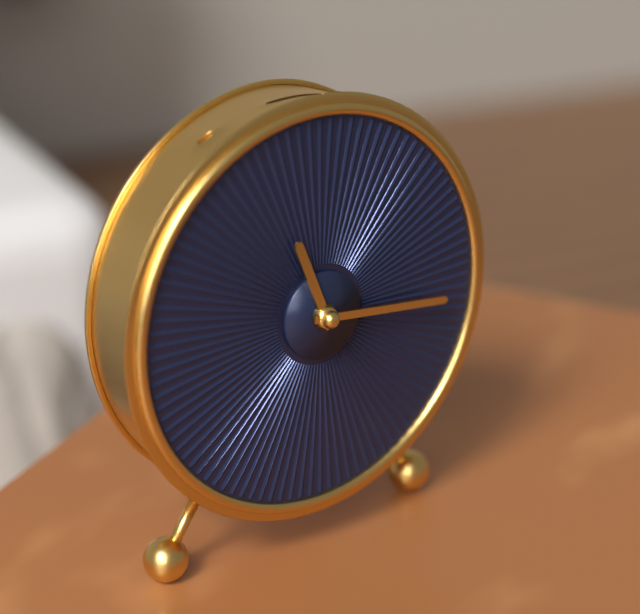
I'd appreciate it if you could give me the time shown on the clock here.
11:16
